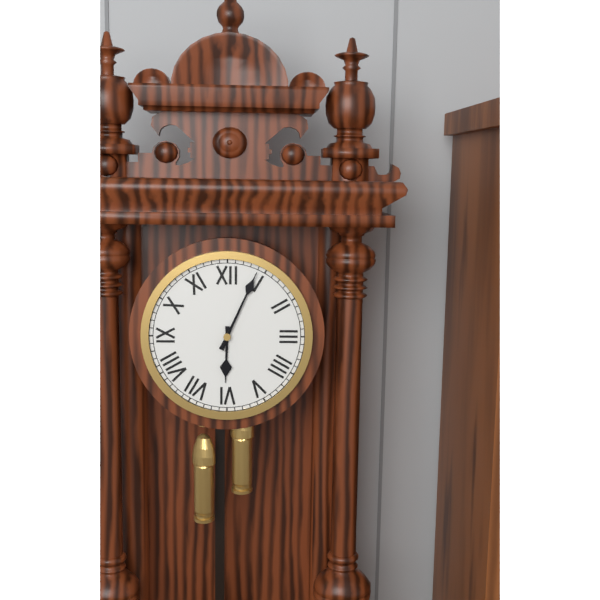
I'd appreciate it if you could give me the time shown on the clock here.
6:04
